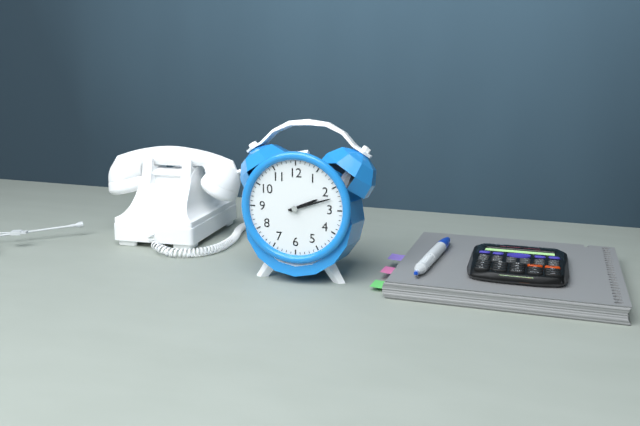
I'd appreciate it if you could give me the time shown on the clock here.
2:12
